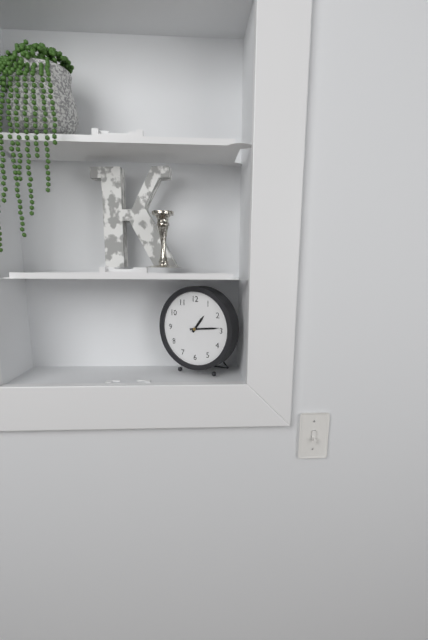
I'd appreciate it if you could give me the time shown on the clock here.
1:14
